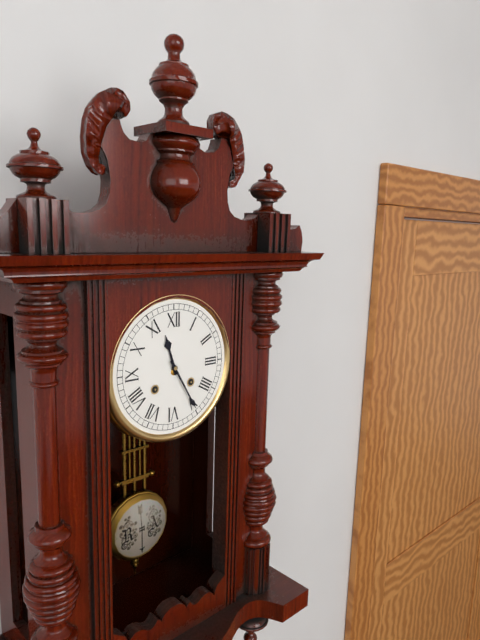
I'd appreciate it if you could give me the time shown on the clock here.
11:25
